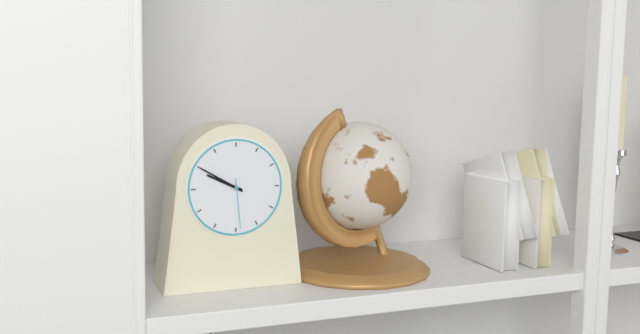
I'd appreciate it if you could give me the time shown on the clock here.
9:50:29
